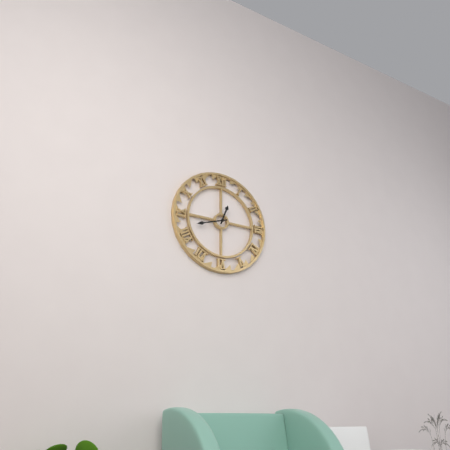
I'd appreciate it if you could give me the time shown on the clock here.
12:42
